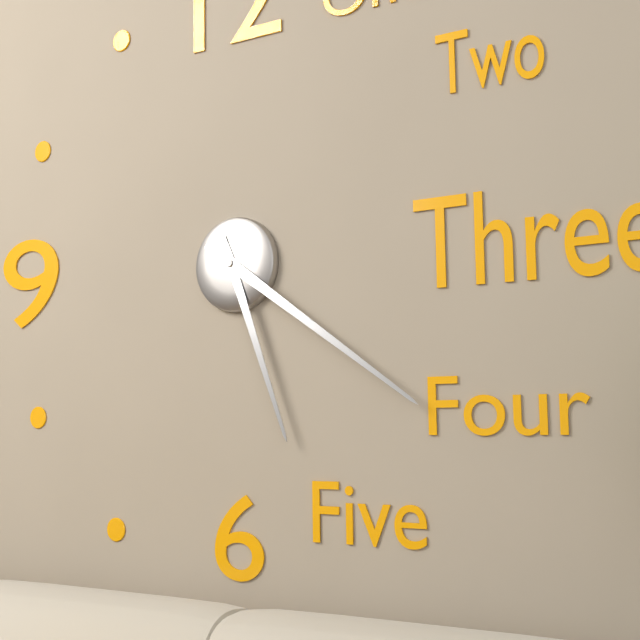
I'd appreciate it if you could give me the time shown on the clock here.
5:21
